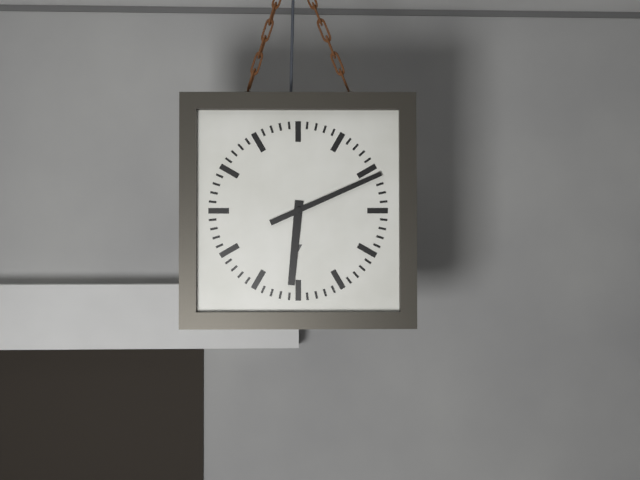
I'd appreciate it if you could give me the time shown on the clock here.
6:11
